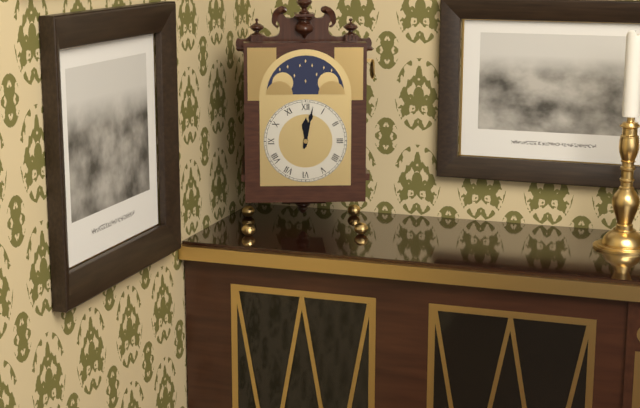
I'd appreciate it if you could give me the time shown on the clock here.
12:02
